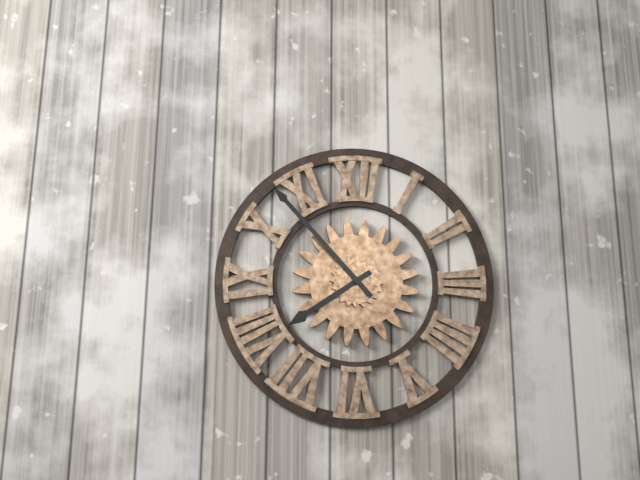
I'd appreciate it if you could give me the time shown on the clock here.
7:53
